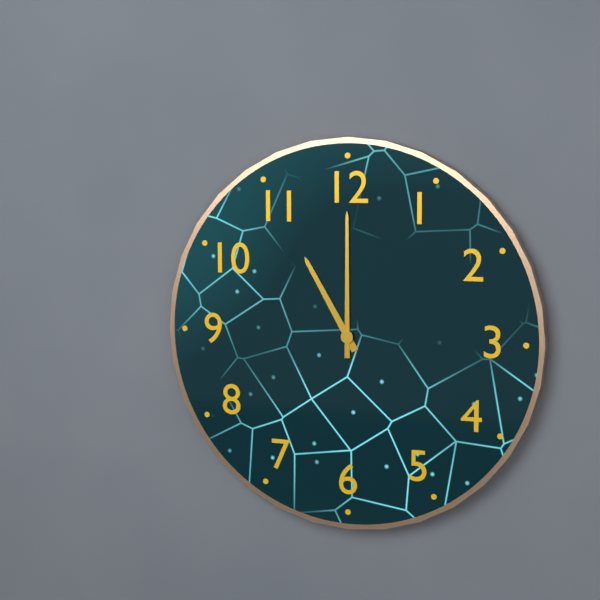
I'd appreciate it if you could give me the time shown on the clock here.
11:00
